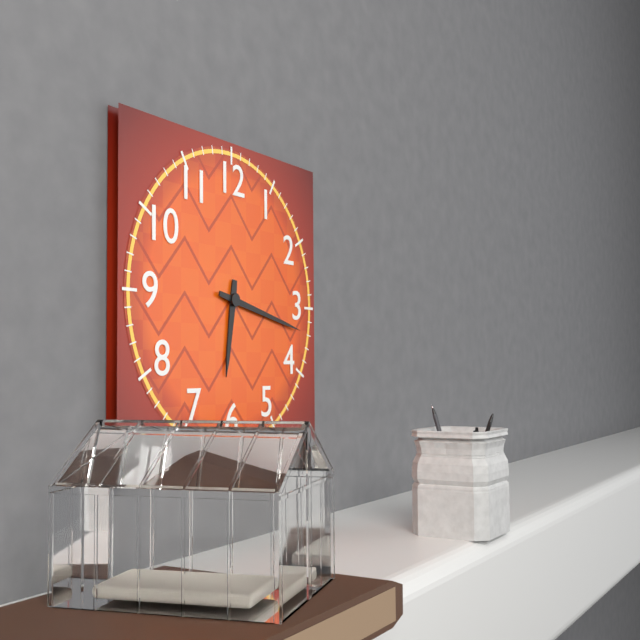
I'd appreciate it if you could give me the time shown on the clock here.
6:17
